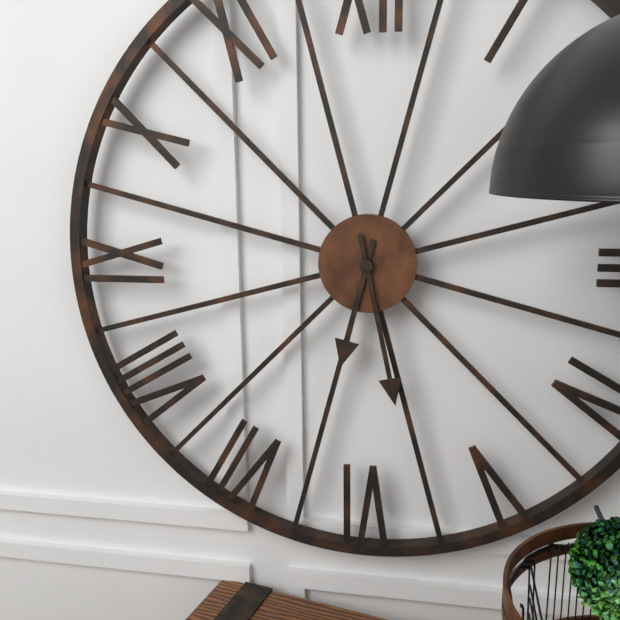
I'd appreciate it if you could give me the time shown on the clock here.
6:28
